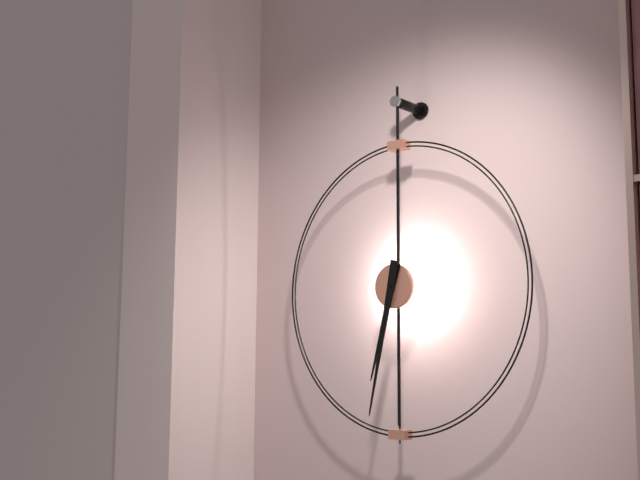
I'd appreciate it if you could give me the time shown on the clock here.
6:32
